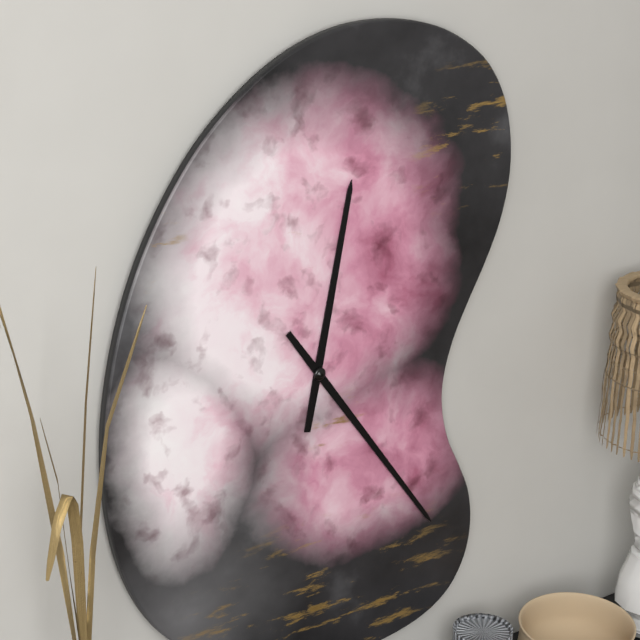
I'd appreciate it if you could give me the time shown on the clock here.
12:24
